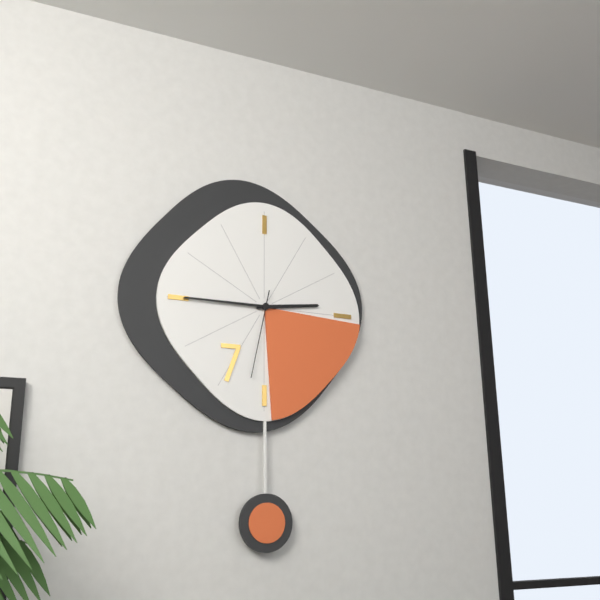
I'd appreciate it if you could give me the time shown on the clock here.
2:45:32
